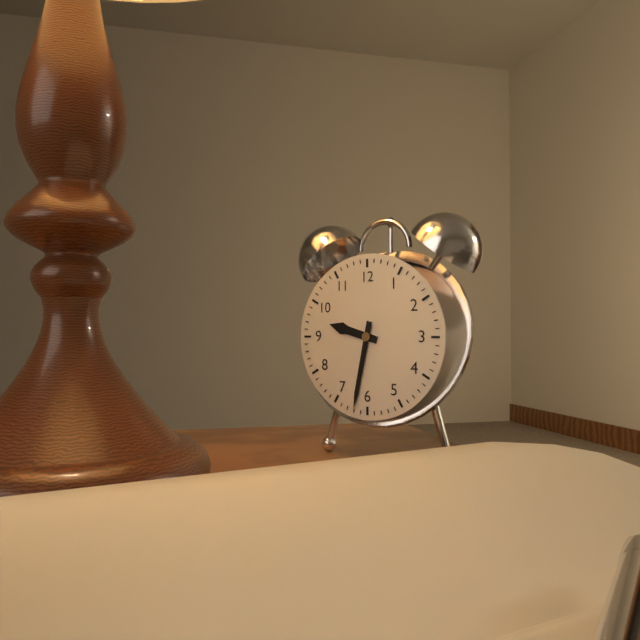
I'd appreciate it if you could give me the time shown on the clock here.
9:32
